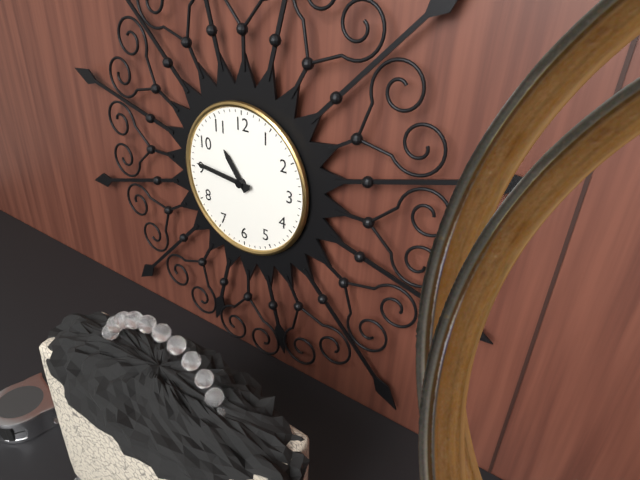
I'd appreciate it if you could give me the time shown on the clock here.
10:46
